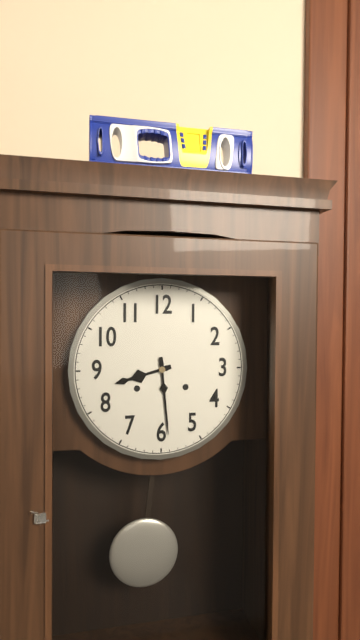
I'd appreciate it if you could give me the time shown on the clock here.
8:29
